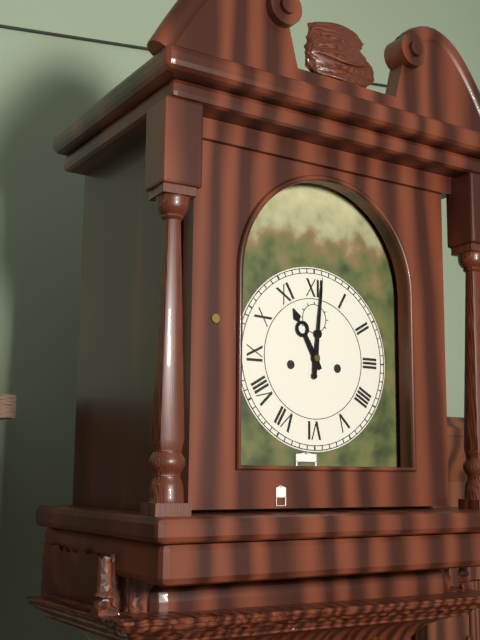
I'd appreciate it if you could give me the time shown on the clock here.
11:01
